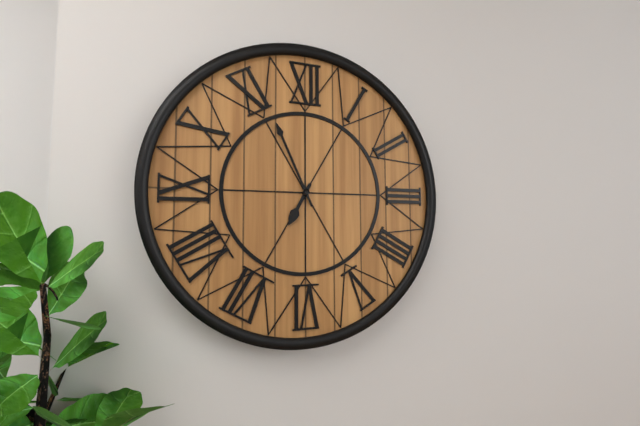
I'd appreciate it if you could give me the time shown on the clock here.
6:56
